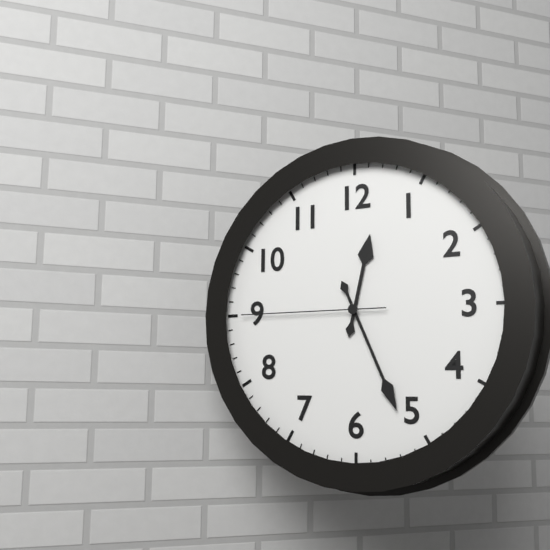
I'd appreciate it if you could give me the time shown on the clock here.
12:26:45
